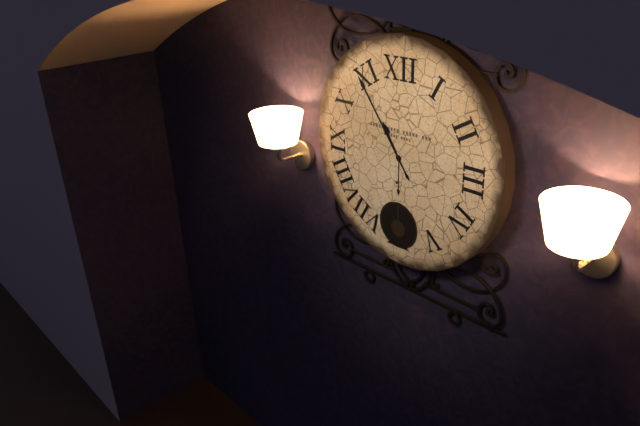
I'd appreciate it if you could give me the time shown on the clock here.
10:54
